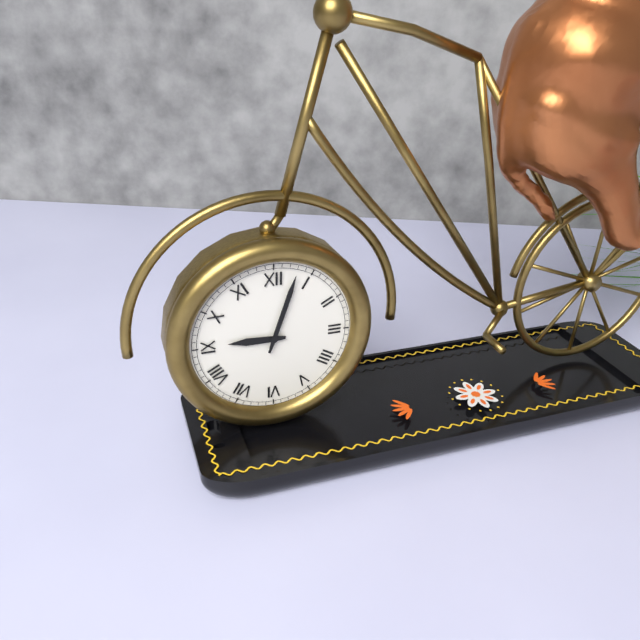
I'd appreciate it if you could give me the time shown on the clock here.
9:03
